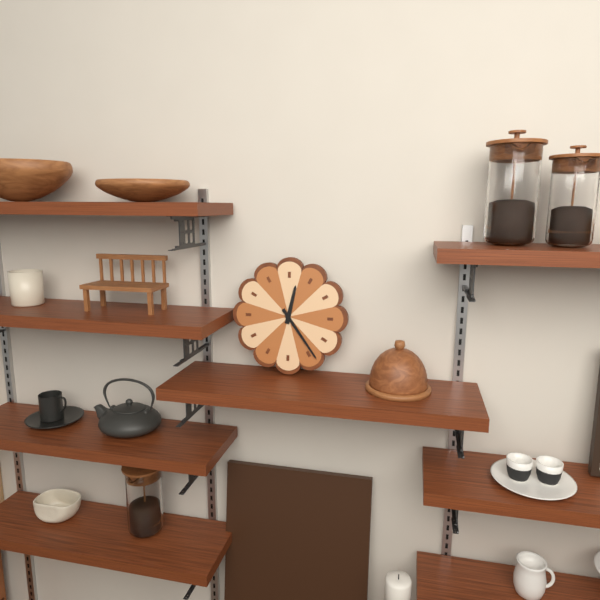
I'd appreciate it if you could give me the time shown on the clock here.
12:24
